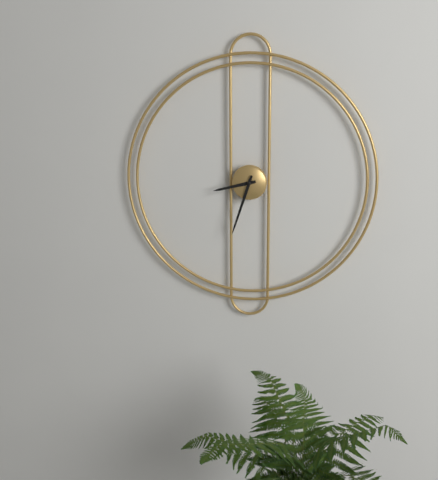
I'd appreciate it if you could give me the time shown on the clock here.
8:33
